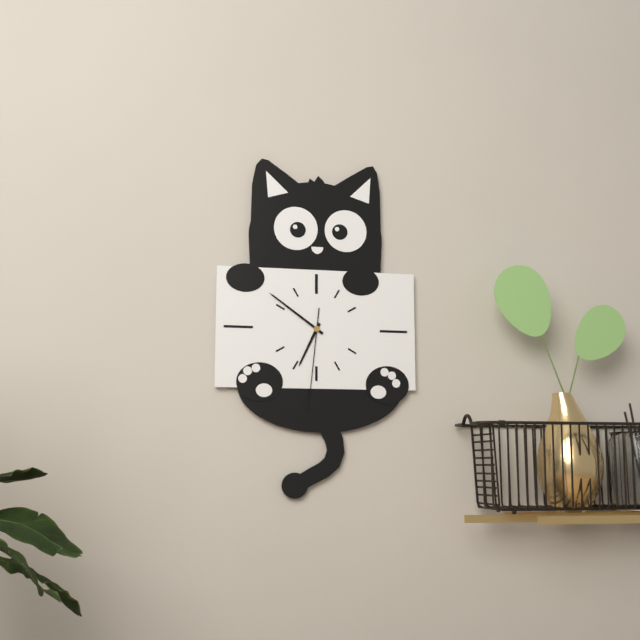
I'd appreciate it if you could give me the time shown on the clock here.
6:51:31
